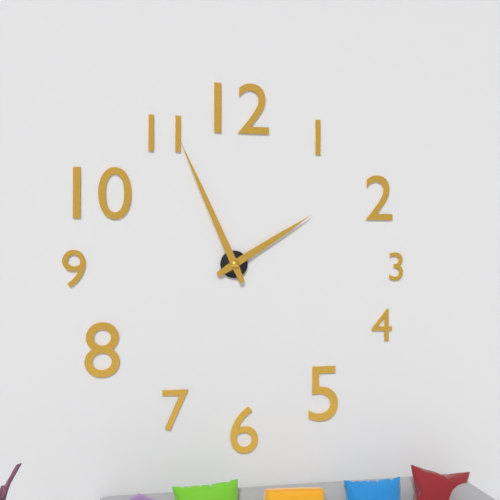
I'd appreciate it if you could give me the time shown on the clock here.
1:56
